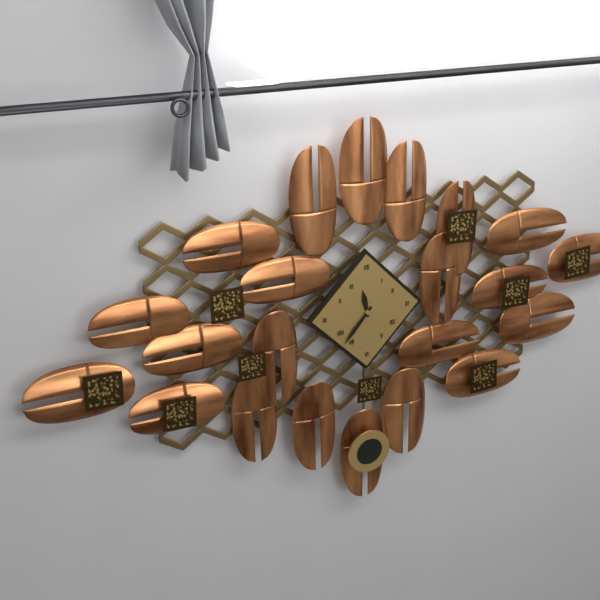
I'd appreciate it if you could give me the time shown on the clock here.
11:37
